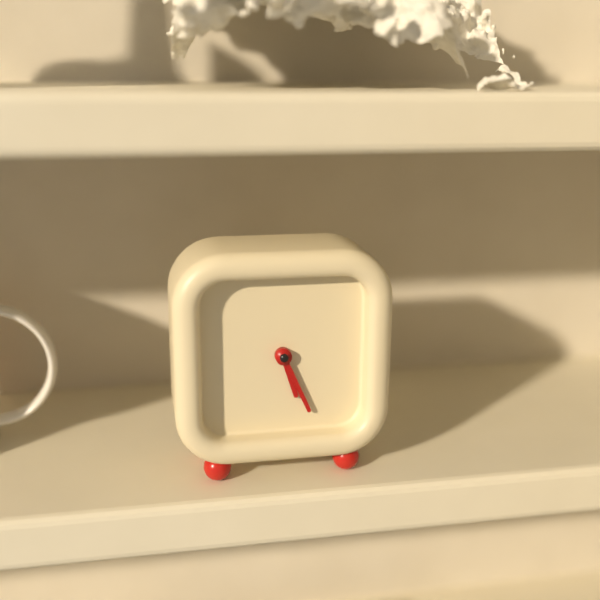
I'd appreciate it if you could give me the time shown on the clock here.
5:26
